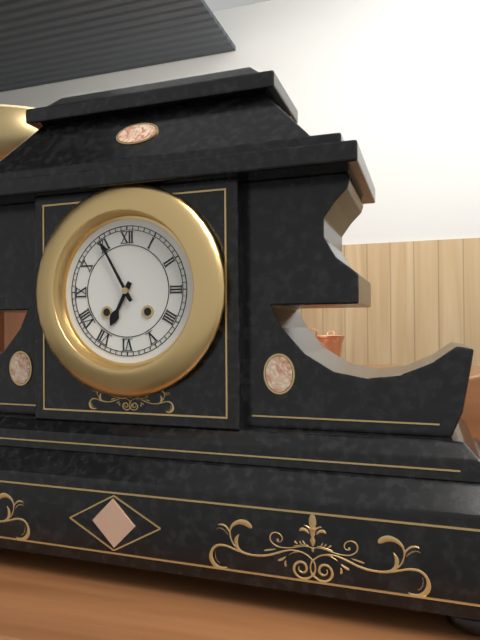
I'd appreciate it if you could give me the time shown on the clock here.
6:55
